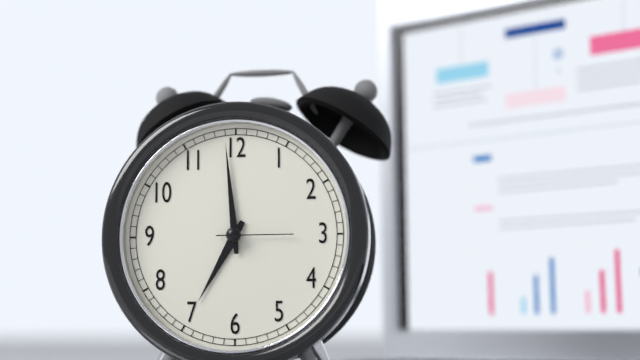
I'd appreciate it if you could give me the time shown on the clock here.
6:59:15
